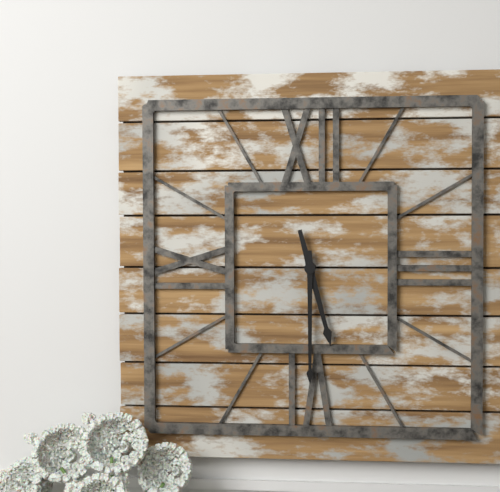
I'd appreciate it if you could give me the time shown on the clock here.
5:30
